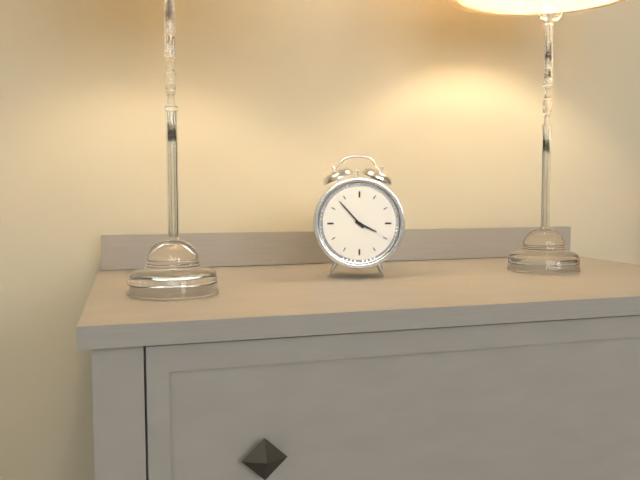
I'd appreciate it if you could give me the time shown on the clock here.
3:53
